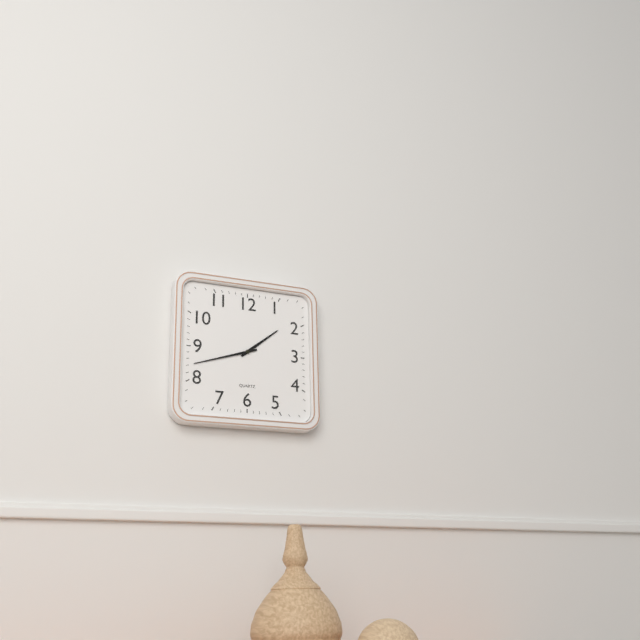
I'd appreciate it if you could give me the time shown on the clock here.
1:42
